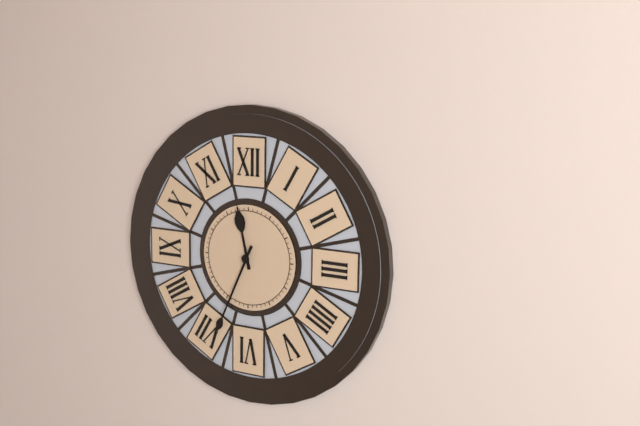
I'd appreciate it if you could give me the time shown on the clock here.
11:34
